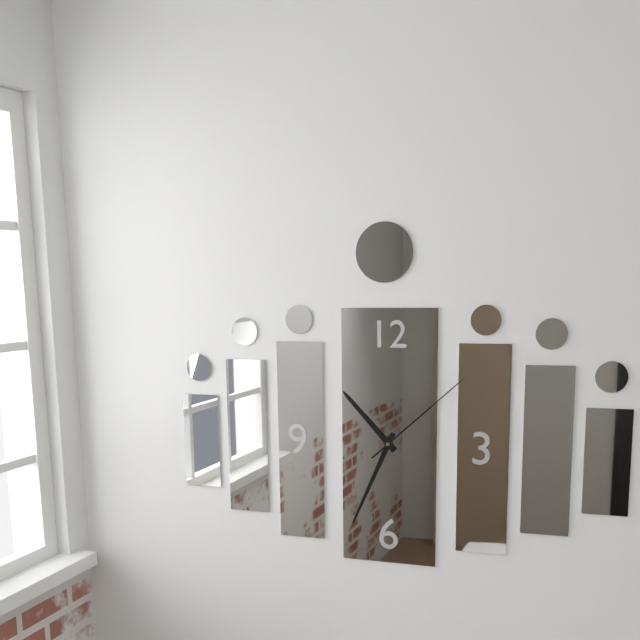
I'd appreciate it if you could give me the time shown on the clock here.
10:34:08
